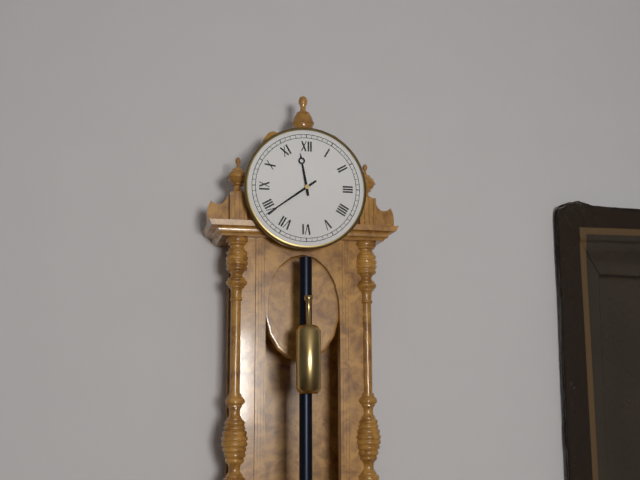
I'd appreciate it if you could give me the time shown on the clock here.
11:39
